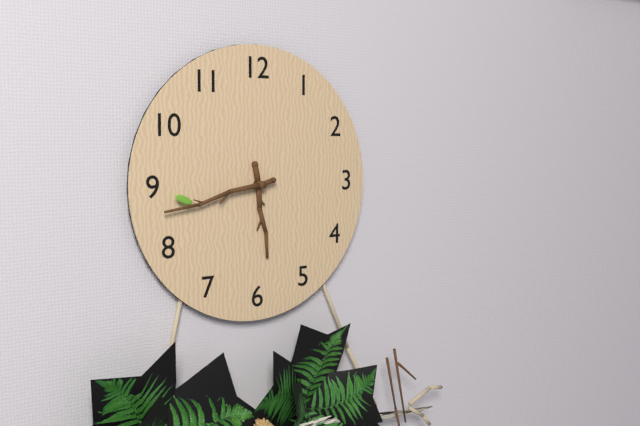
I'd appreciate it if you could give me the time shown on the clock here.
5:43
